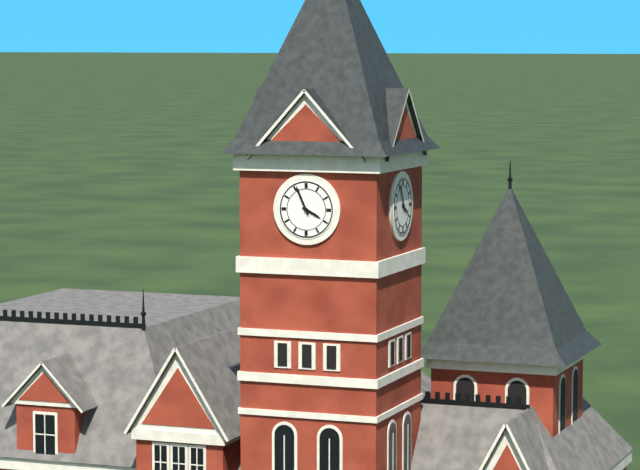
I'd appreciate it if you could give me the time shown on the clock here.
3:56
